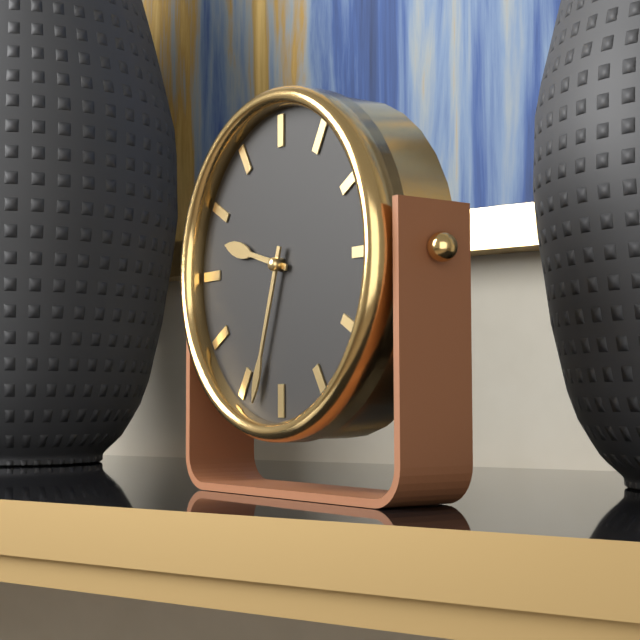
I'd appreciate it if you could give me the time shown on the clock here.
9:33
